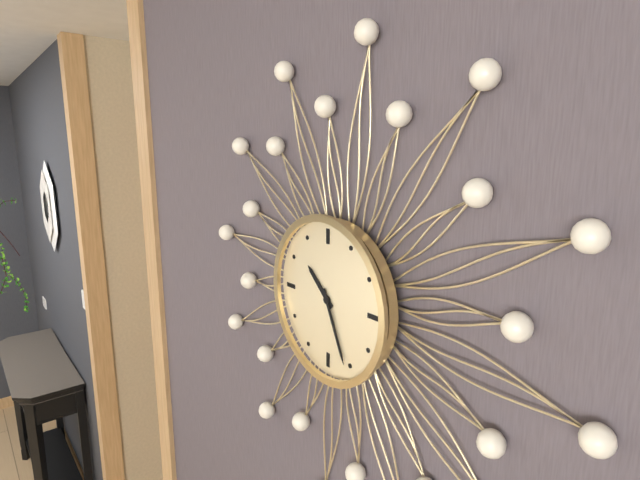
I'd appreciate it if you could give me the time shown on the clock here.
10:26
